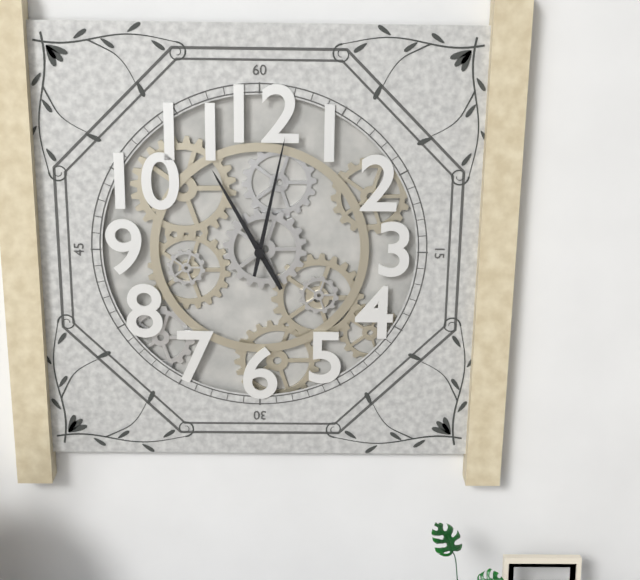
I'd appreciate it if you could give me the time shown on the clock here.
11:02
